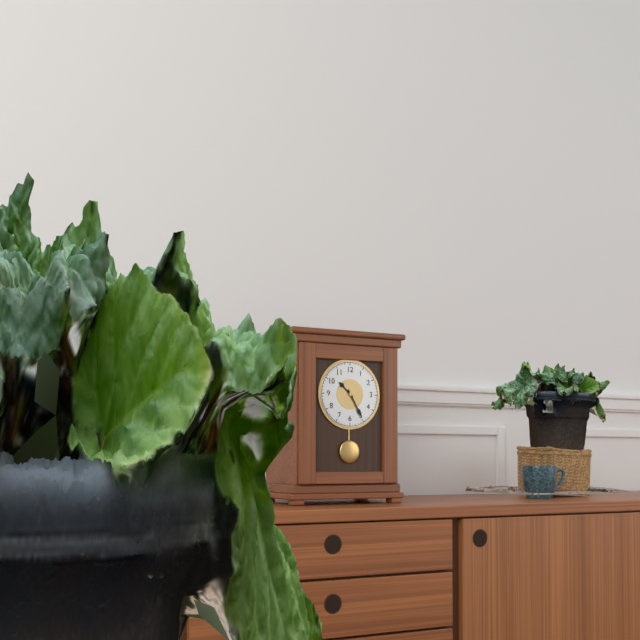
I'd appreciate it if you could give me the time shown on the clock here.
10:25
